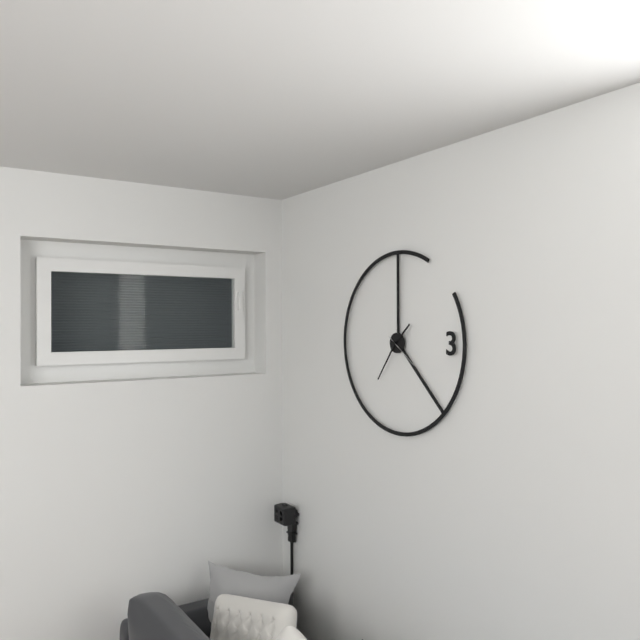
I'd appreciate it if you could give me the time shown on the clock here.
1:36
